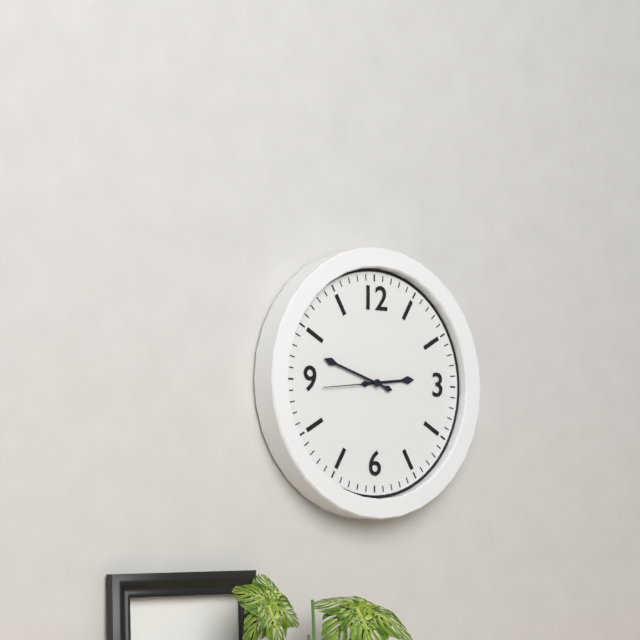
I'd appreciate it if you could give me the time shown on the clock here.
2:48:44
